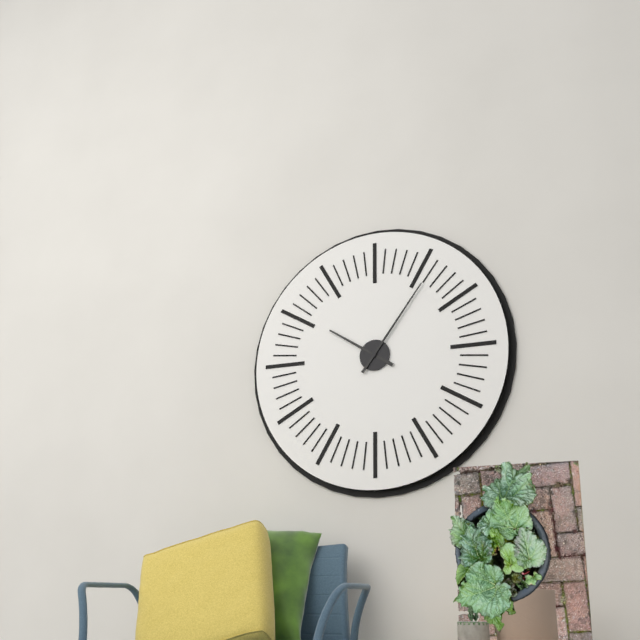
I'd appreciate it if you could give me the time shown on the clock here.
10:06
